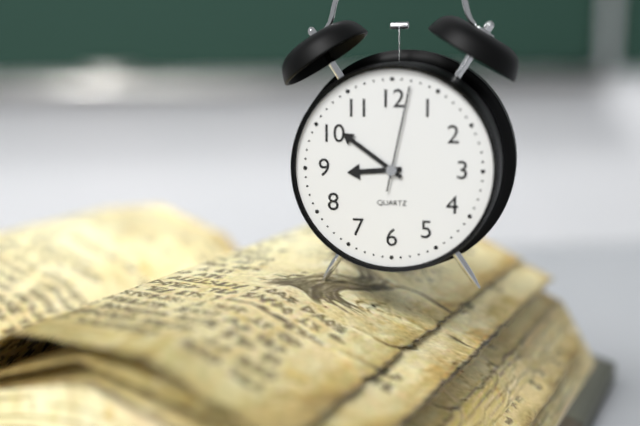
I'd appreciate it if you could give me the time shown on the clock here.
8:51:02
